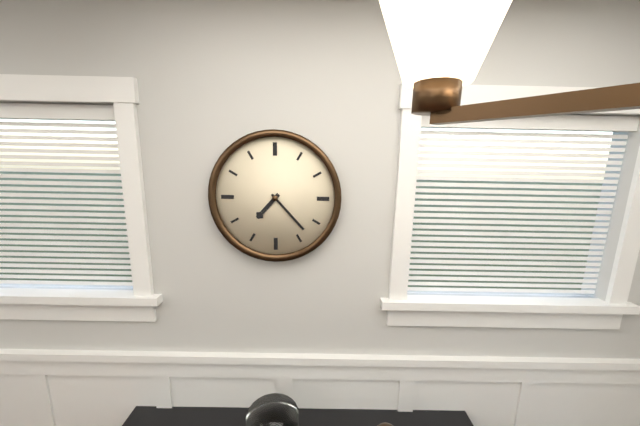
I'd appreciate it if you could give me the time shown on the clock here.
7:23
